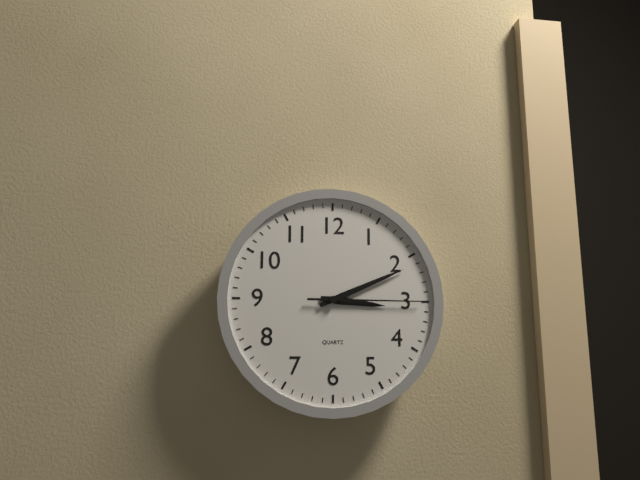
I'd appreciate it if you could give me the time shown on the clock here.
3:11:15
